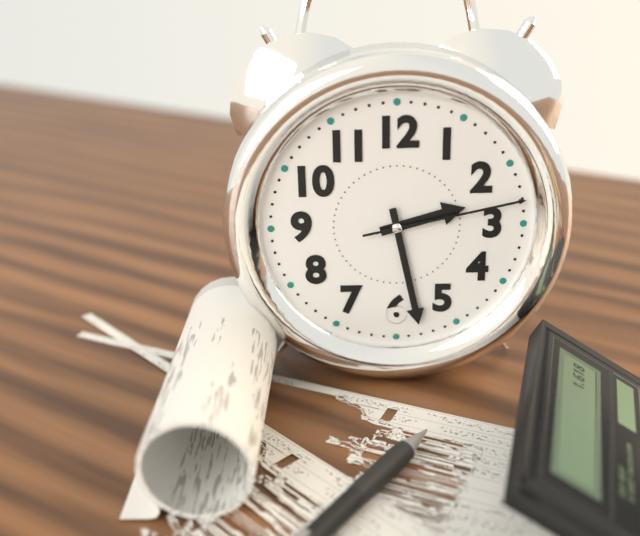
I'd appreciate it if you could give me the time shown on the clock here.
2:28:13
